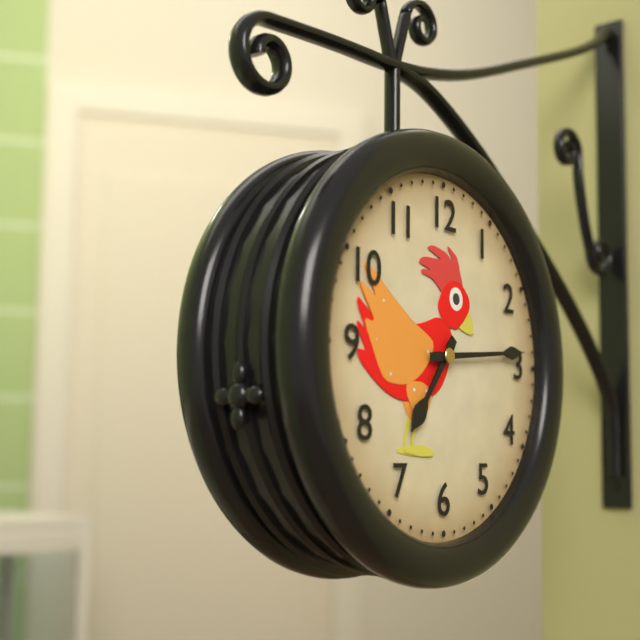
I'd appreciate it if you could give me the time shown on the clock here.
7:14
